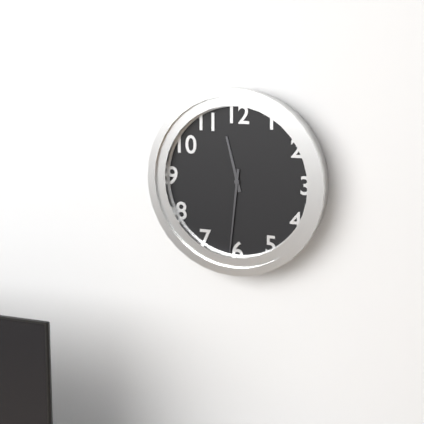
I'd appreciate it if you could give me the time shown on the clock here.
11:31
